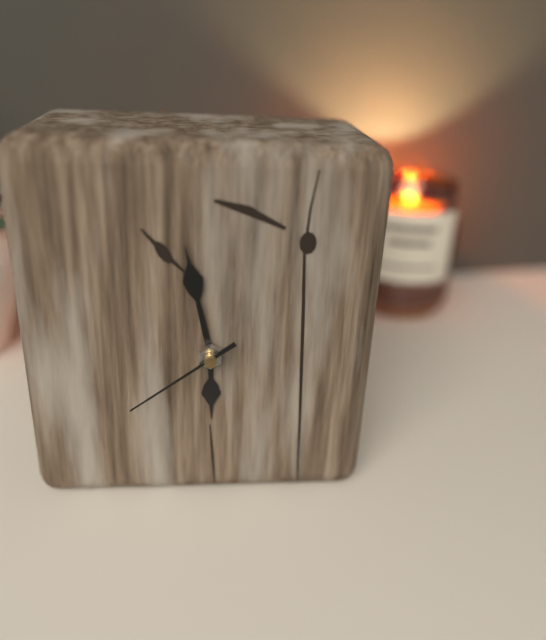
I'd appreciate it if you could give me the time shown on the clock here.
5:58:39
